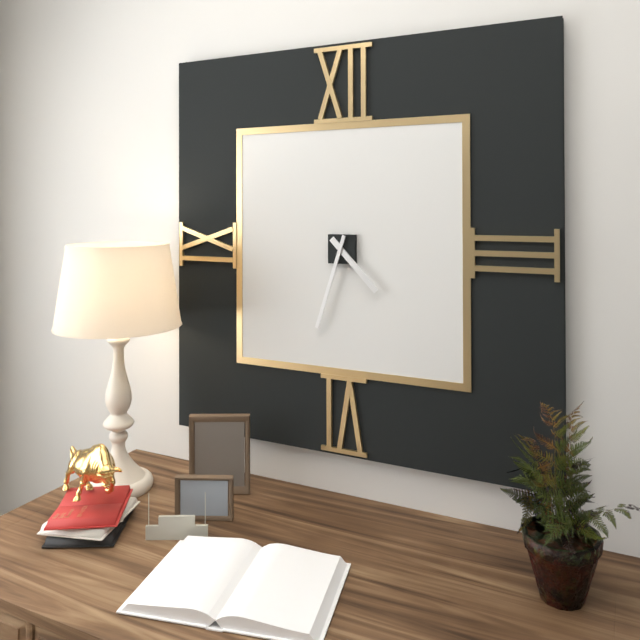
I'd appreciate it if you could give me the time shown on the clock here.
4:33
